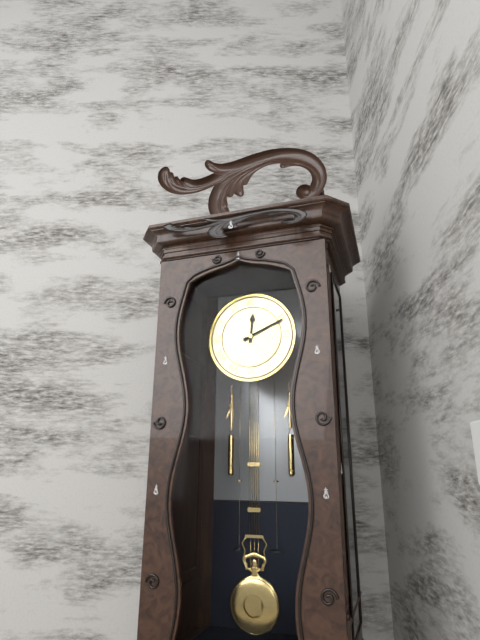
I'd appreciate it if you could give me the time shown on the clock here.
12:11
